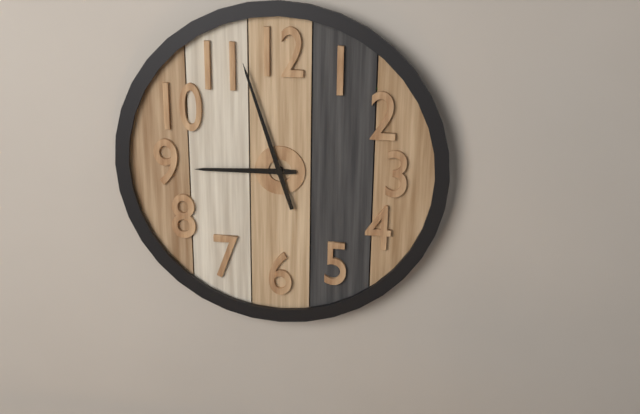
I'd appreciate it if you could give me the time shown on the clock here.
8:57
